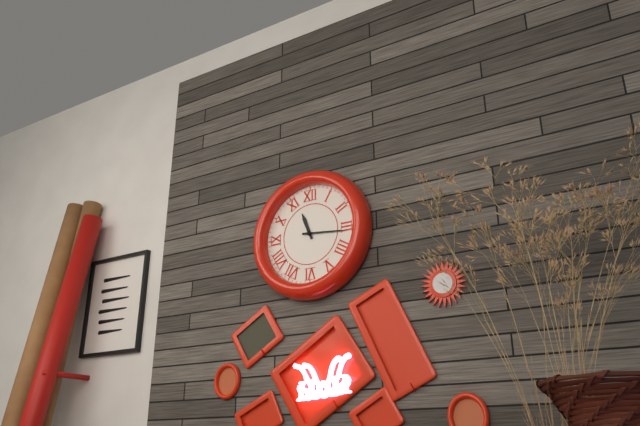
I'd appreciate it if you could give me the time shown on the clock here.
11:16
